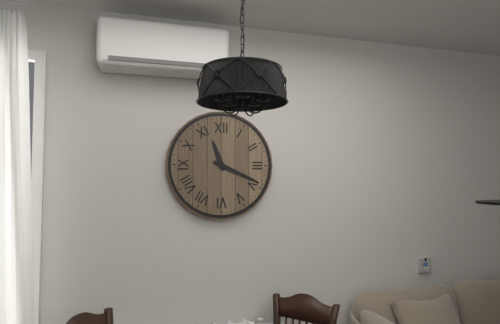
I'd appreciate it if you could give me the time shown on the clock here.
11:19
